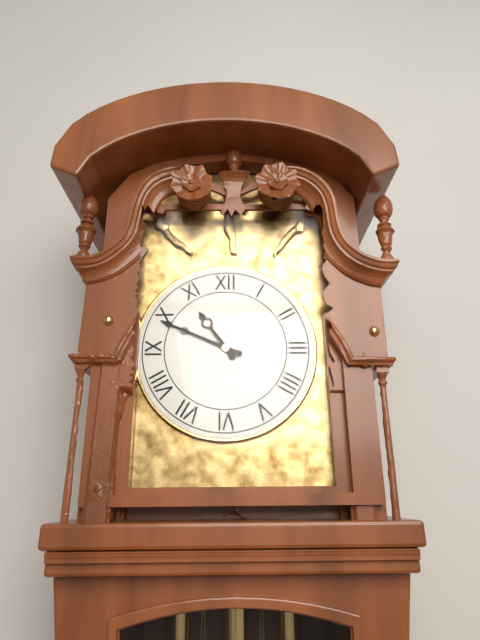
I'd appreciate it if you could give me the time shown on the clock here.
10:49
